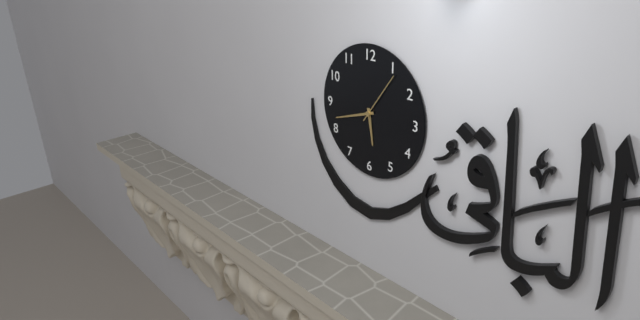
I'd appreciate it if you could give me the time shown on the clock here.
5:42:06
